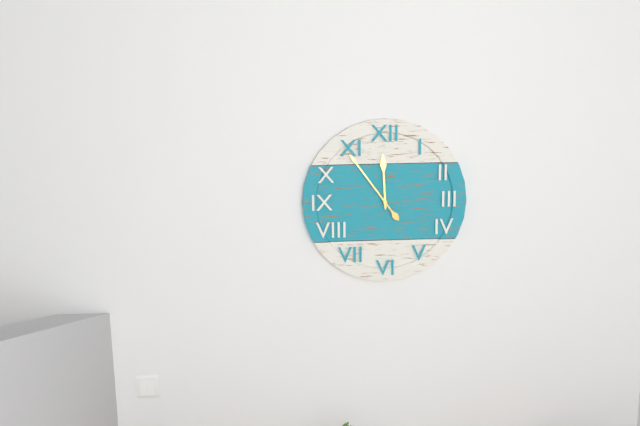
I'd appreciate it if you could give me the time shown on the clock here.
11:54
